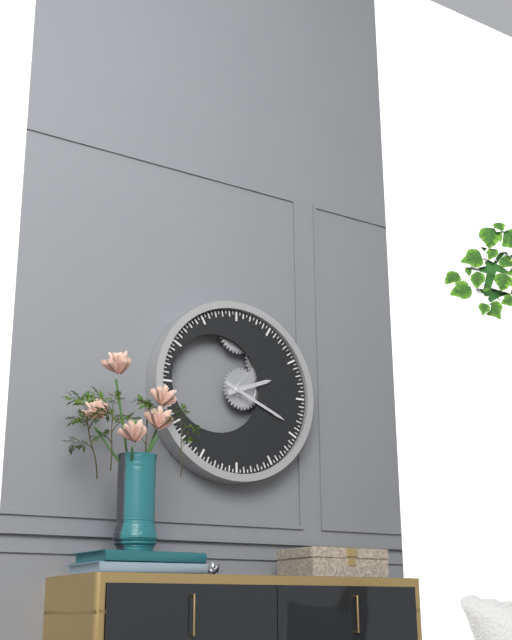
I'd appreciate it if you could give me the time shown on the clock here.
2:19
